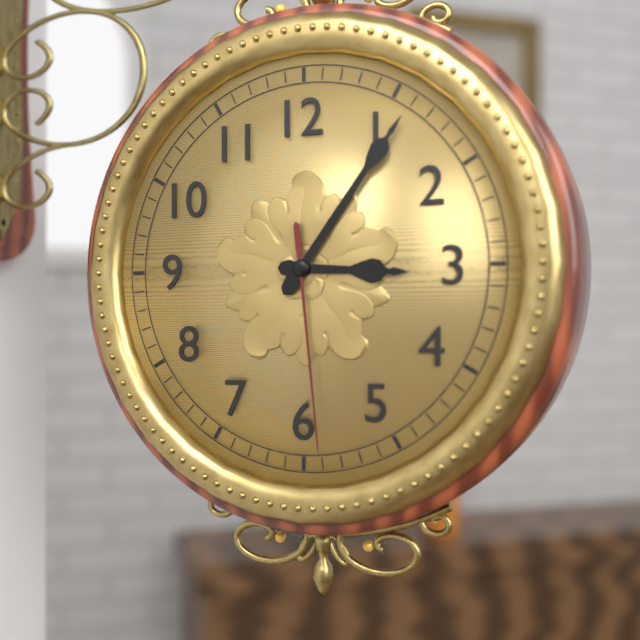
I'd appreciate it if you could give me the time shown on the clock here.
3:06:29
